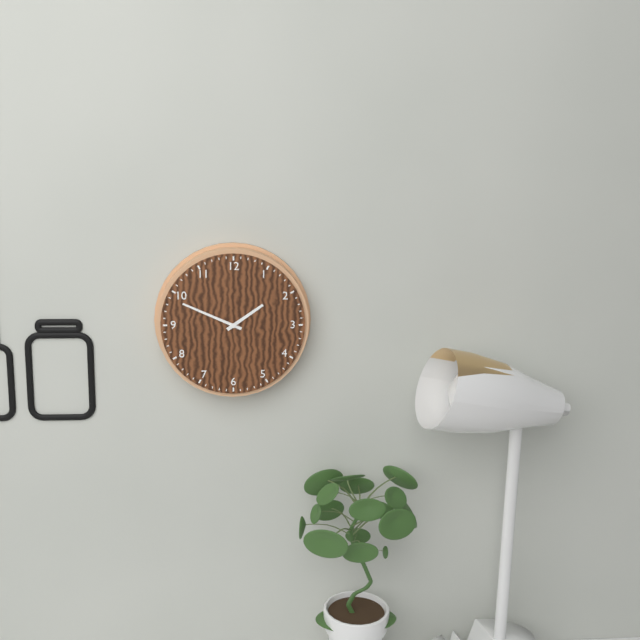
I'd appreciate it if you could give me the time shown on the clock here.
1:49
